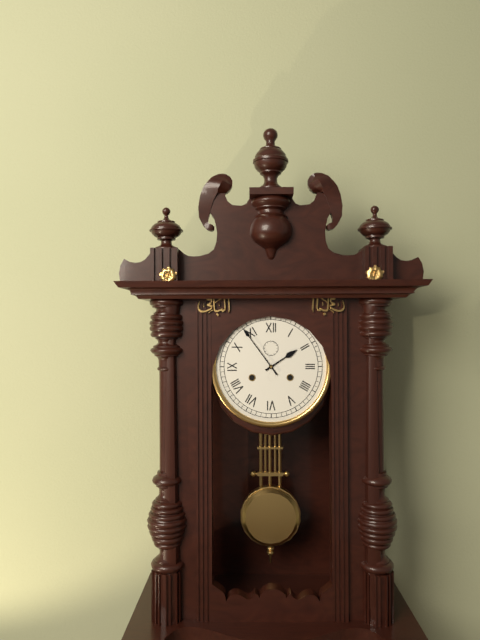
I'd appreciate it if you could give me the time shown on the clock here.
1:54
